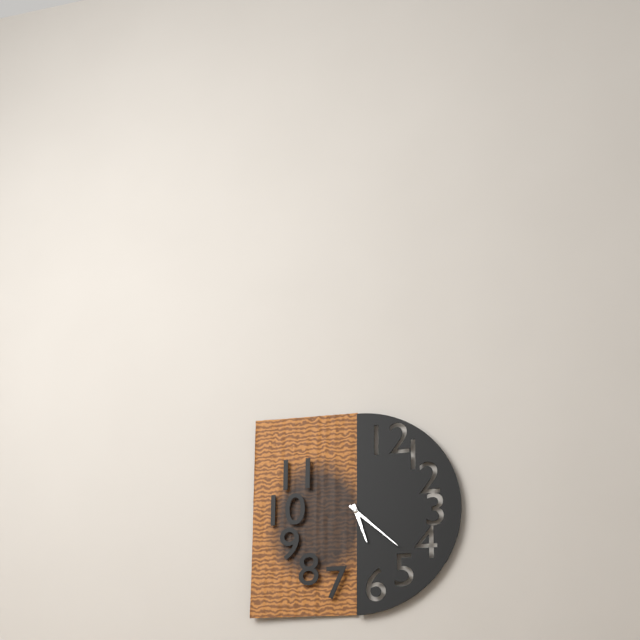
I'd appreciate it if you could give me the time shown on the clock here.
5:22
